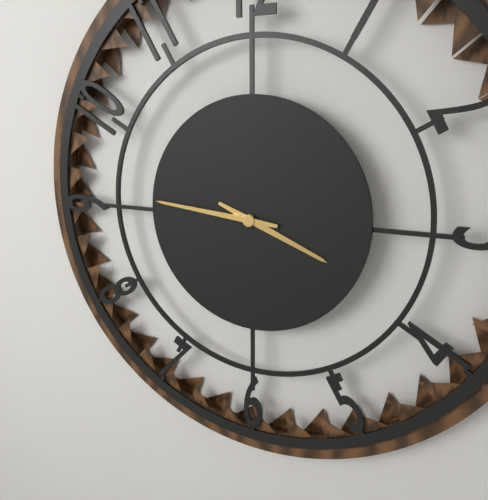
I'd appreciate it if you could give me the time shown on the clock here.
3:46
